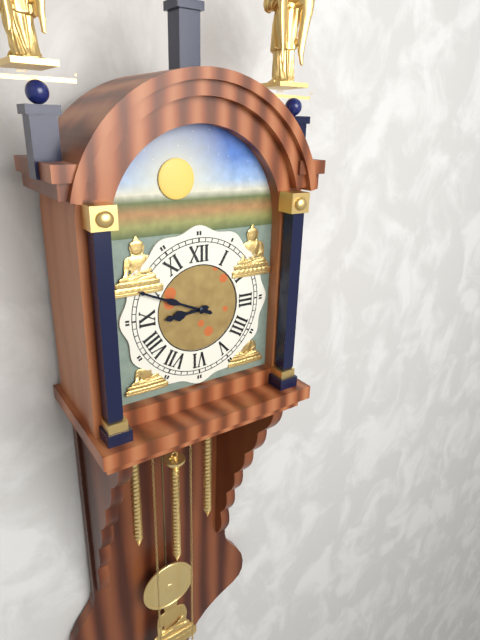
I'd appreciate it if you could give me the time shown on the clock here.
8:49
